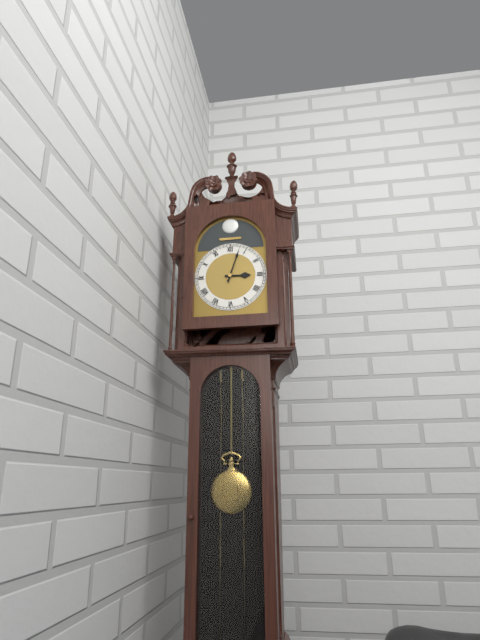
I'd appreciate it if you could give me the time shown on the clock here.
3:03
